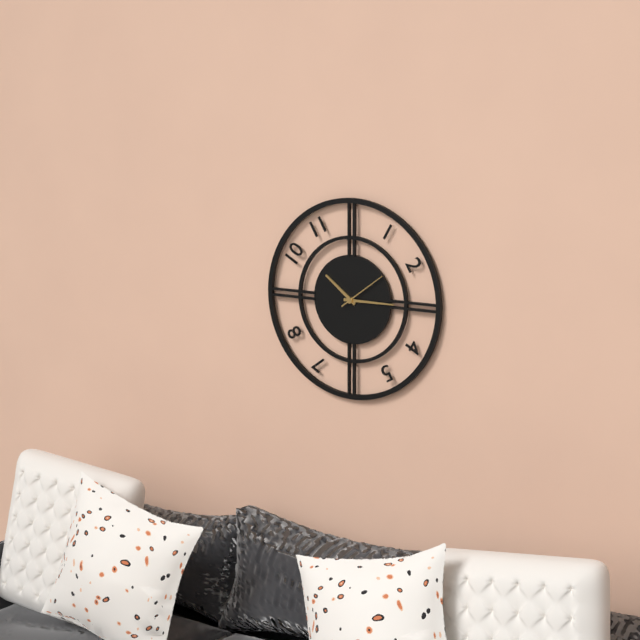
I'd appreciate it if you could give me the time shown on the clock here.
10:15
